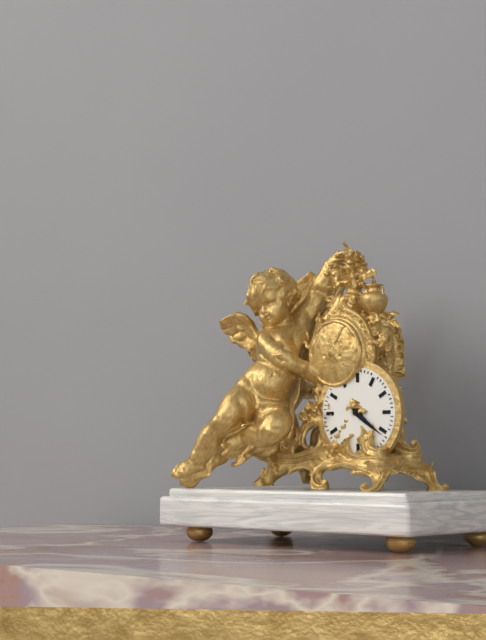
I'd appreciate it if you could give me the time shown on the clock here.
4:21
